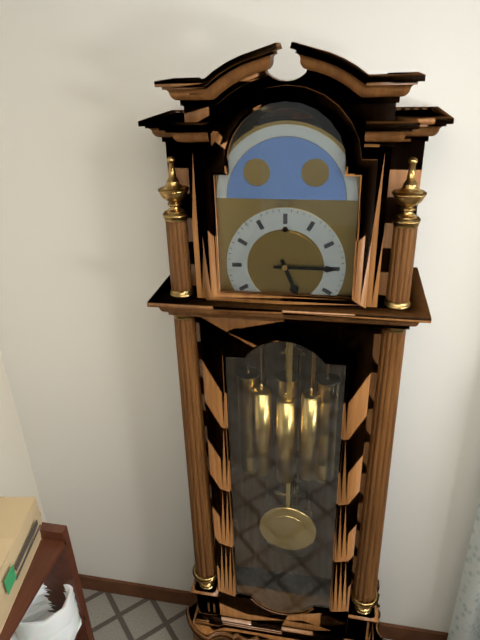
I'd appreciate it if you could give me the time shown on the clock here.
5:15
